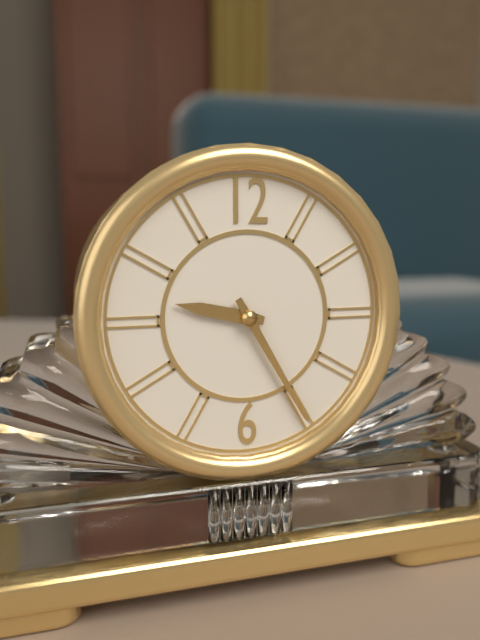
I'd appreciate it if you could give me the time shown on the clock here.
9:25
